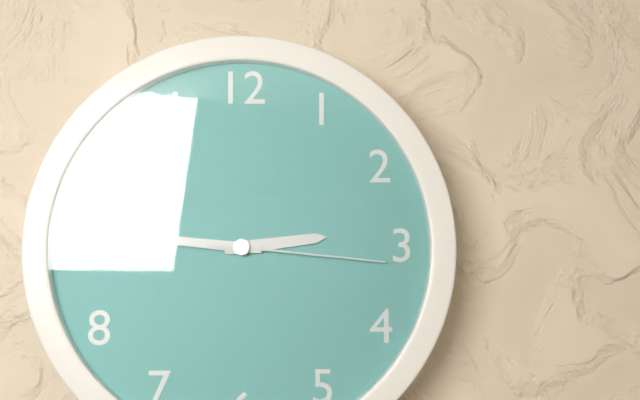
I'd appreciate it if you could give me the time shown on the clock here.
2:46:16
